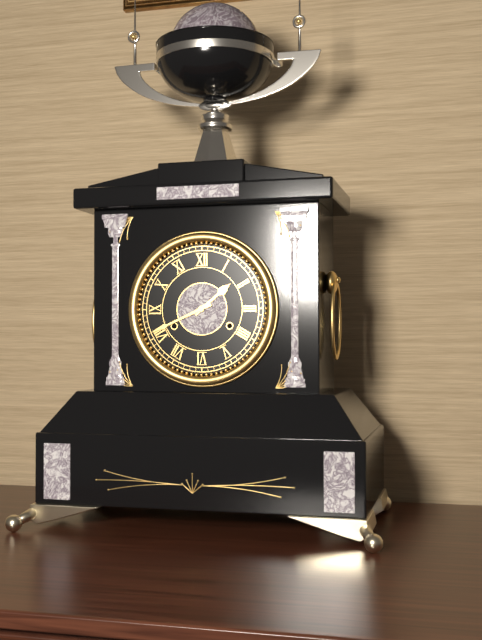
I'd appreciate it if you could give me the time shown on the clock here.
1:41
